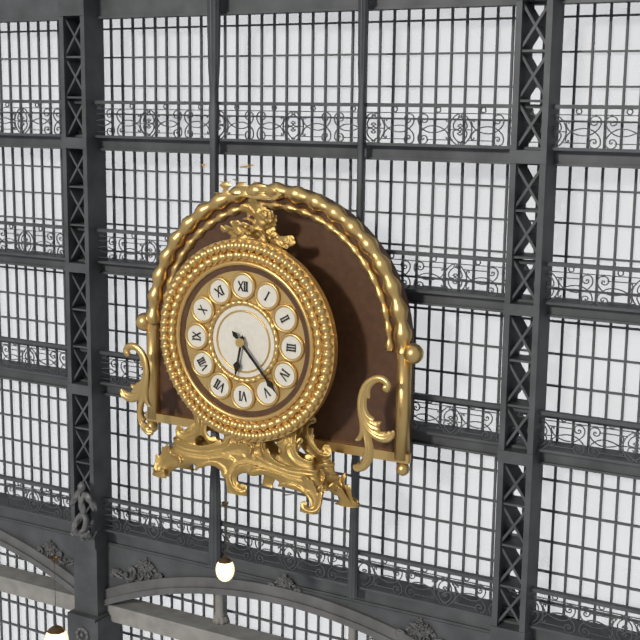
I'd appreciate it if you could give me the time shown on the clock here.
6:23
